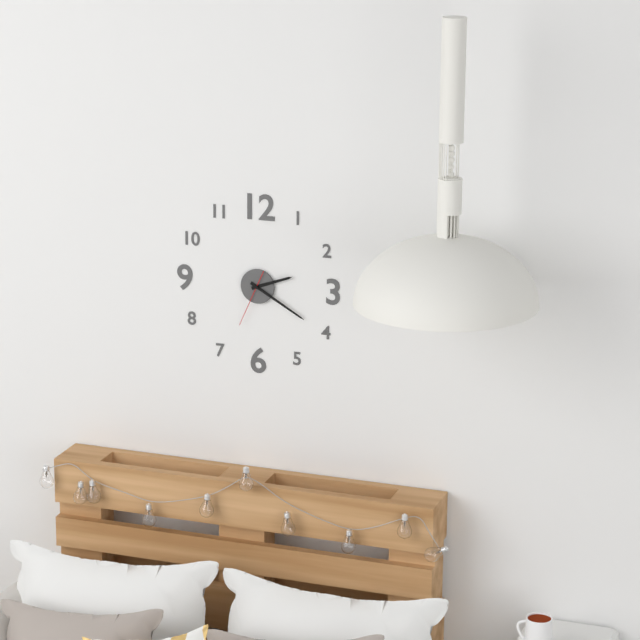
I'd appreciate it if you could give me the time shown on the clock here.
2:20:34
